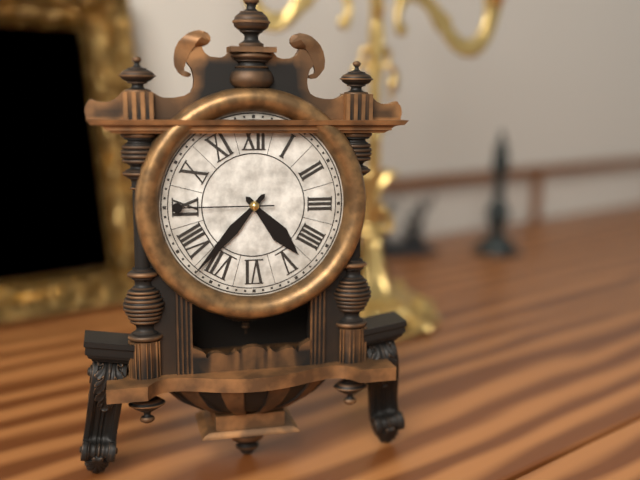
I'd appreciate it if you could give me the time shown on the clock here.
4:37:45
